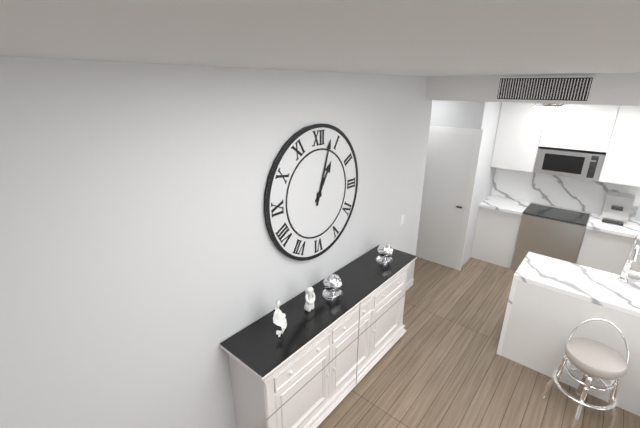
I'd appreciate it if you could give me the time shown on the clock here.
1:03
